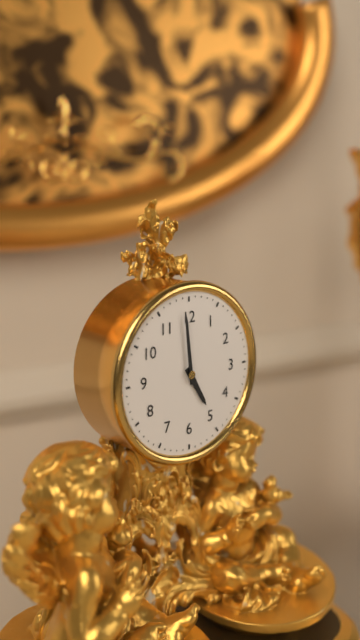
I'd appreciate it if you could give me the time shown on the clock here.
4:59
